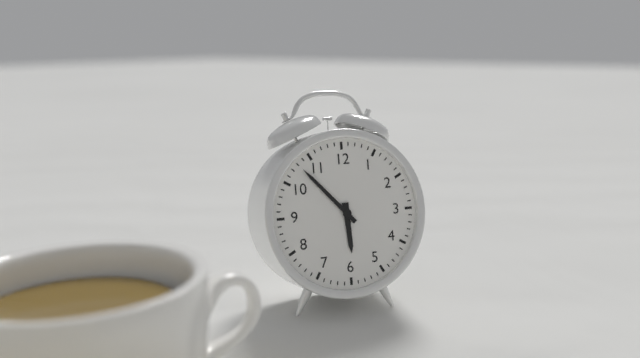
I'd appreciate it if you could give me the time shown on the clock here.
5:53
